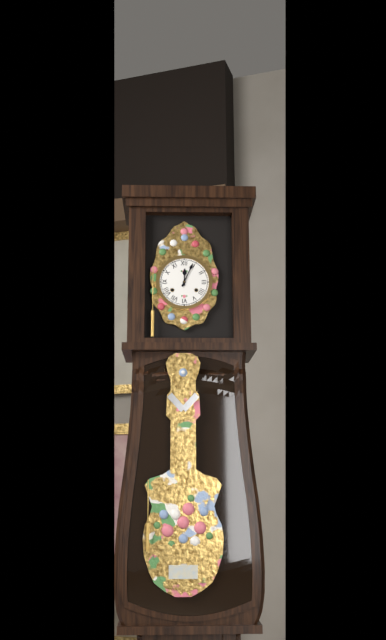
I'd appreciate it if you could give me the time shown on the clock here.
12:04
